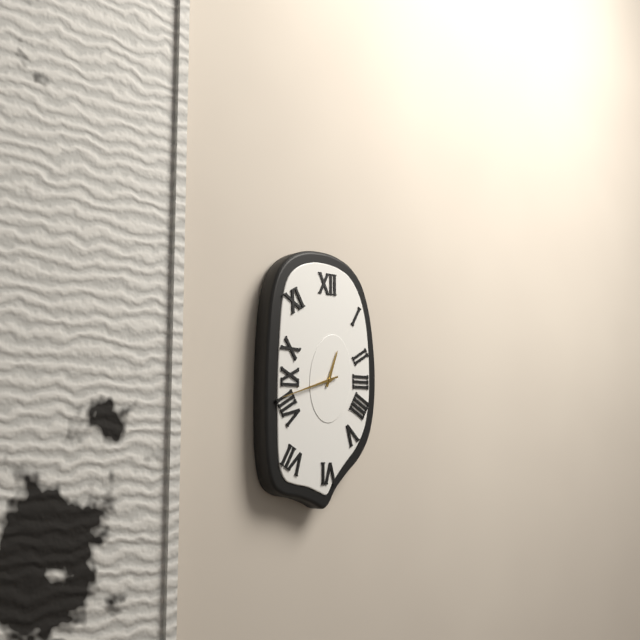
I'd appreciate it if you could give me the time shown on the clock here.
12:42
